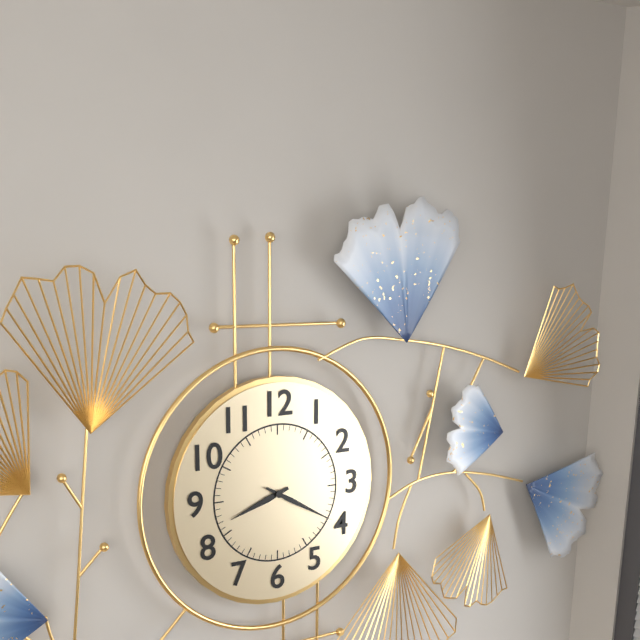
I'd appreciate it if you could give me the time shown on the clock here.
8:20
